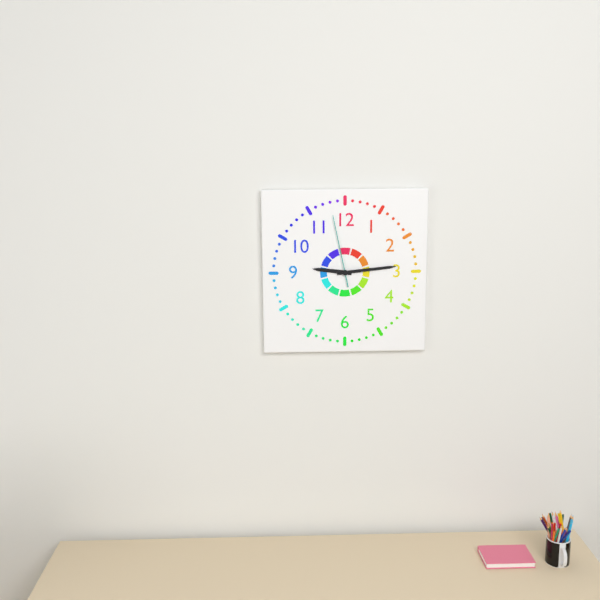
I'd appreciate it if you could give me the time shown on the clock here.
9:14:58
